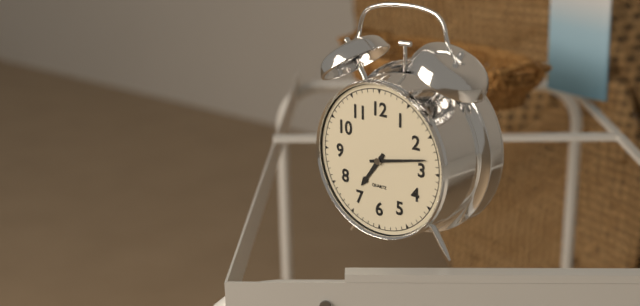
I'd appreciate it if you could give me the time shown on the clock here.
7:13
